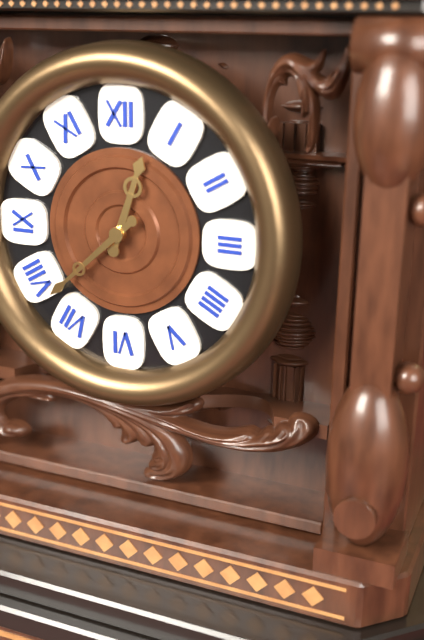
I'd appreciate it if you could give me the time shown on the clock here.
12:38
